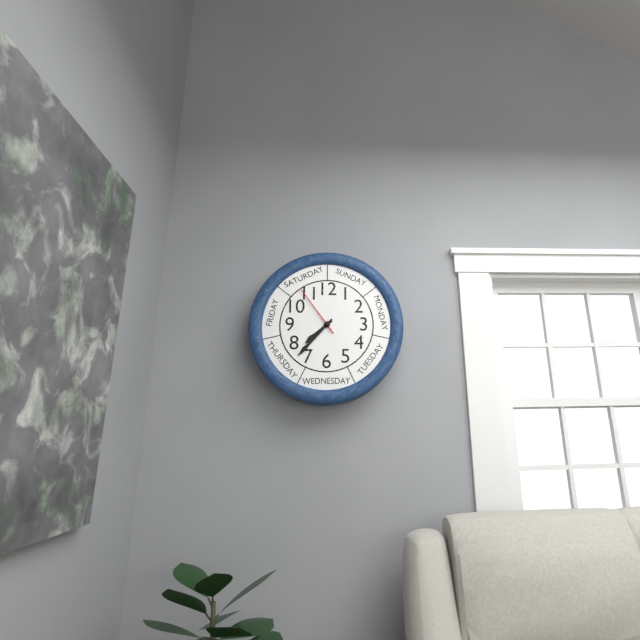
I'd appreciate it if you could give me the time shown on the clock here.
7:37:54
